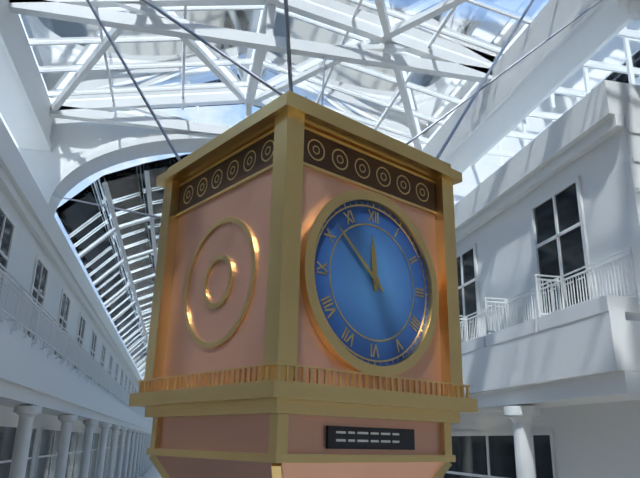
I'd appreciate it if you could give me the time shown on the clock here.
11:52
